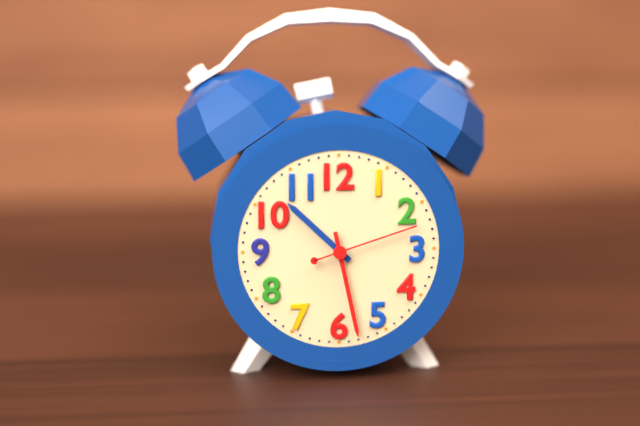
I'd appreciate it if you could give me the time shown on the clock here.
10:28:12
